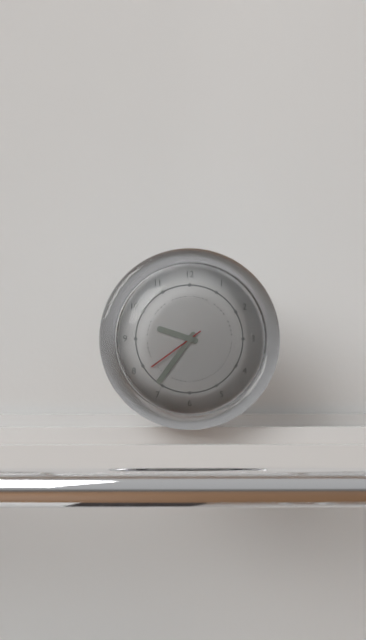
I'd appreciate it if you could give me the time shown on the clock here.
9:36:39
